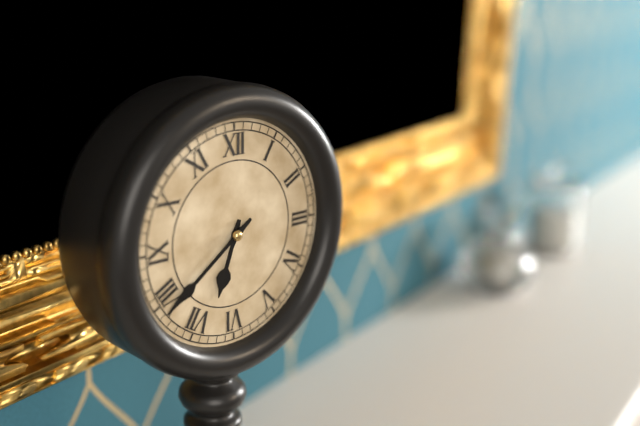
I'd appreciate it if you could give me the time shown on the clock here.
6:39
